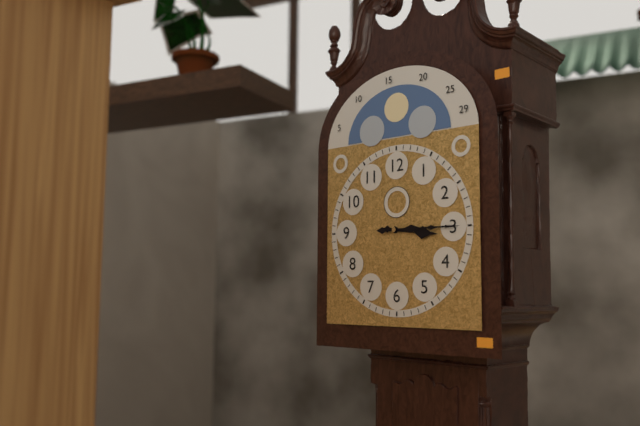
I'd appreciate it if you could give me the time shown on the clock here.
3:15
